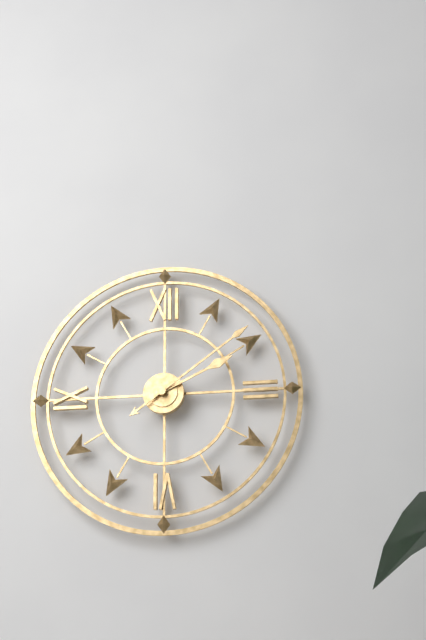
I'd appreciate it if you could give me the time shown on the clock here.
2:09
